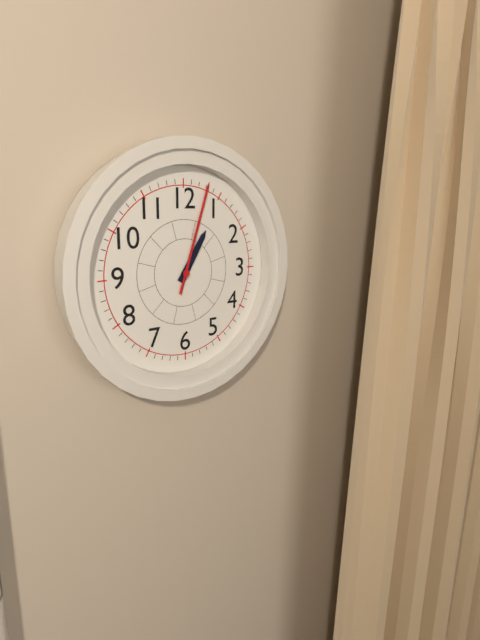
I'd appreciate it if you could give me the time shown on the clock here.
1:03
